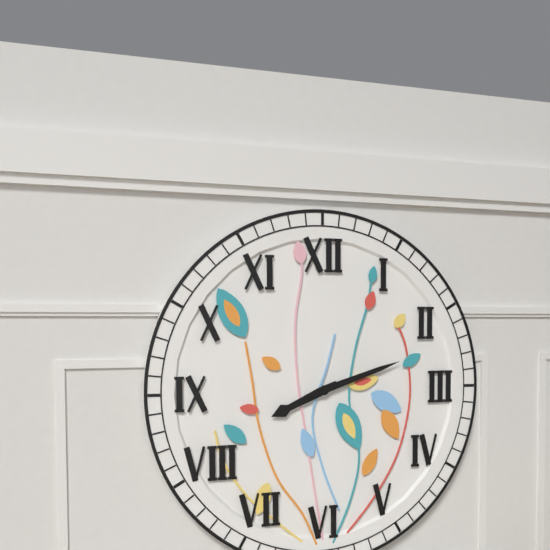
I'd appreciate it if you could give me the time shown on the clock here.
8:12
